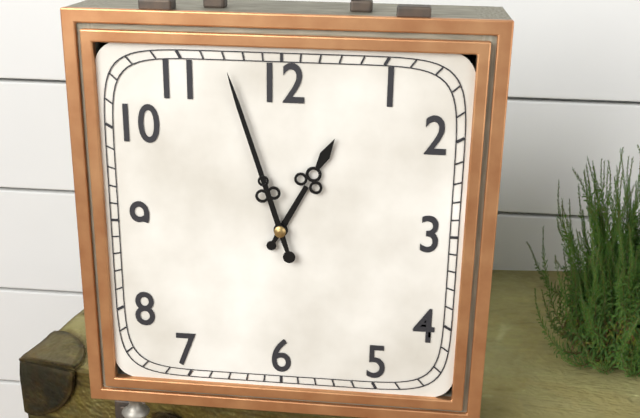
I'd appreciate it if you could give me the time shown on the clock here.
12:57
